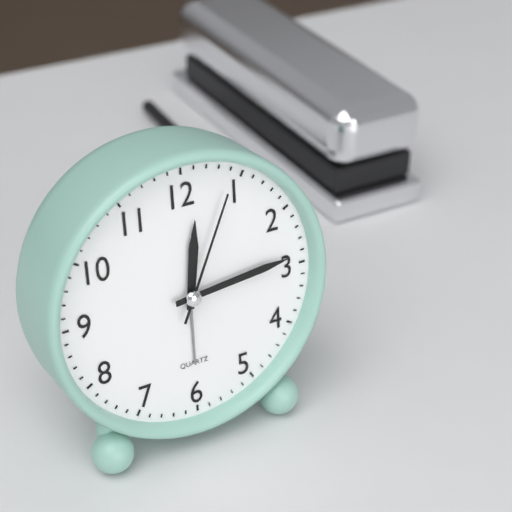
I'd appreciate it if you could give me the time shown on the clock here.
12:14:04
